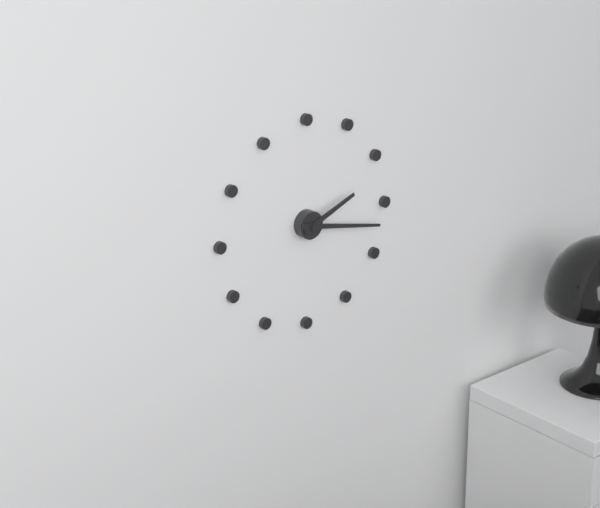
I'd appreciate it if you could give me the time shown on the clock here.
2:17
